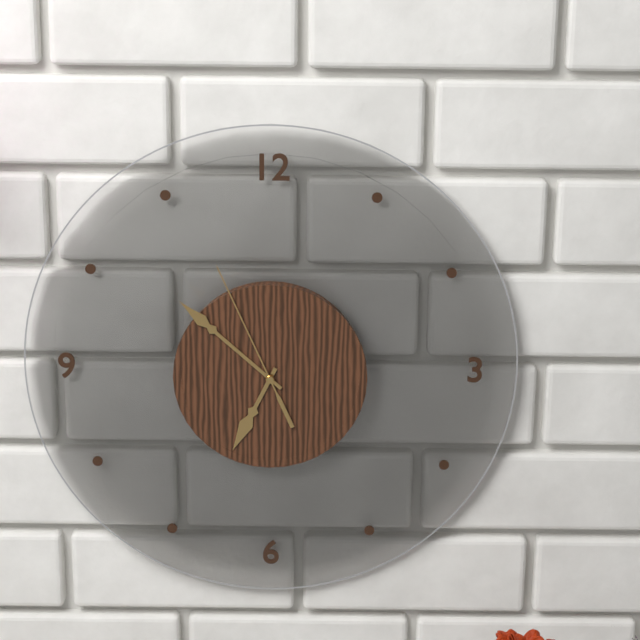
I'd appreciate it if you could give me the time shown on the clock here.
6:52:56
